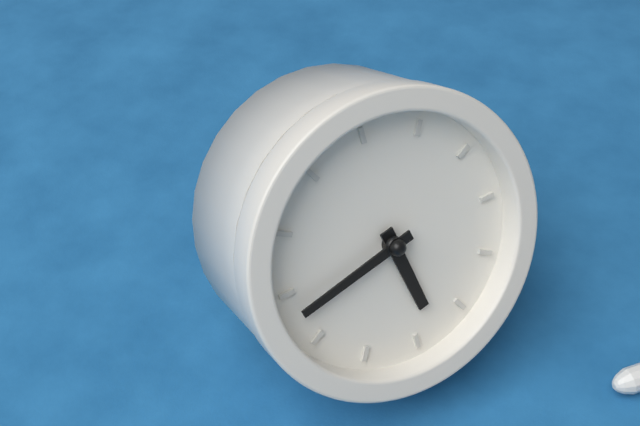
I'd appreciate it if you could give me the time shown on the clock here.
4:38
